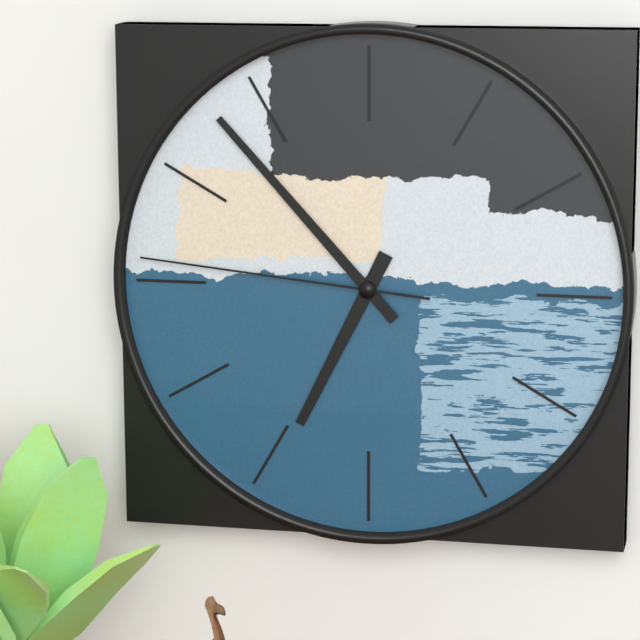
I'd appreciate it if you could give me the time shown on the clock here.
6:53:46
